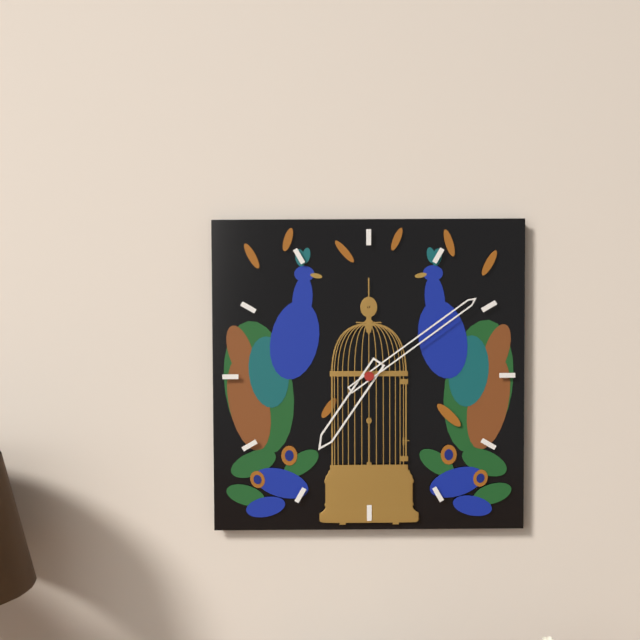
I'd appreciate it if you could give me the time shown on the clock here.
7:09
